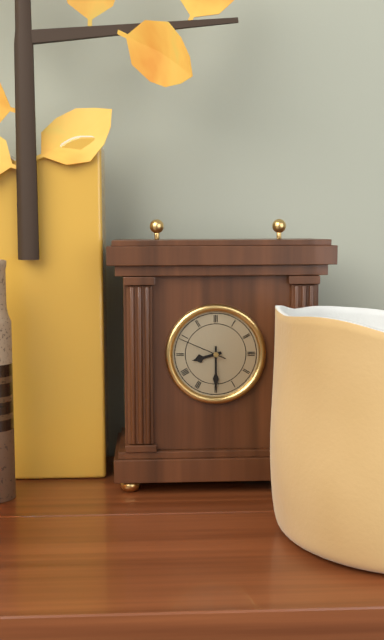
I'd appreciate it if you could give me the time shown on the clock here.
8:30
